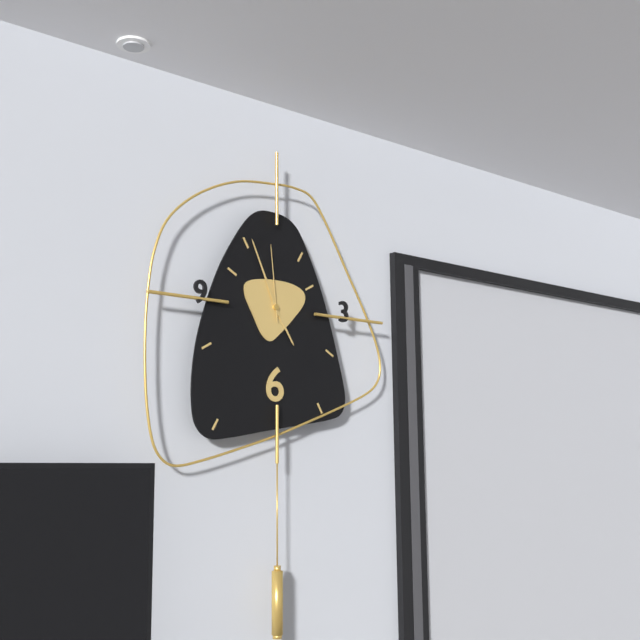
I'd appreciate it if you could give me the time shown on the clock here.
4:56:59
